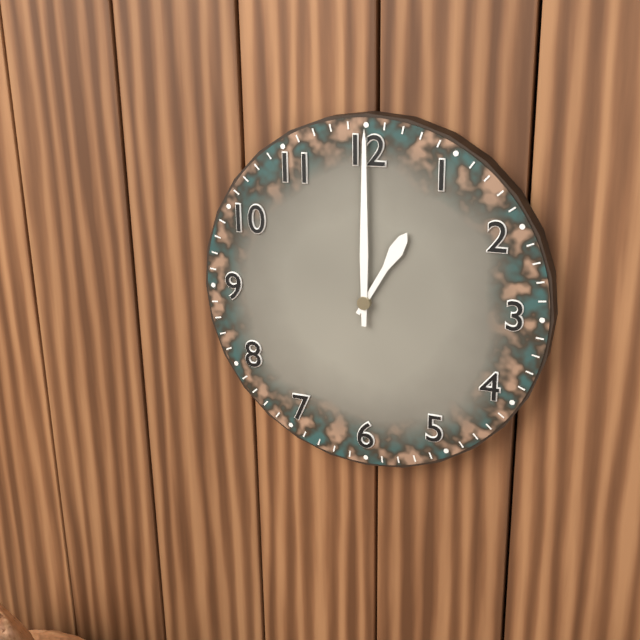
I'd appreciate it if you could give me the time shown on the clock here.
1:00
